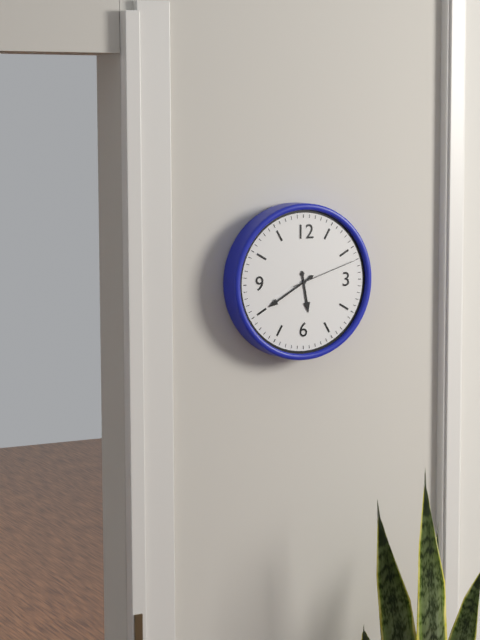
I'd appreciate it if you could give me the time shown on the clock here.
5:40:12
